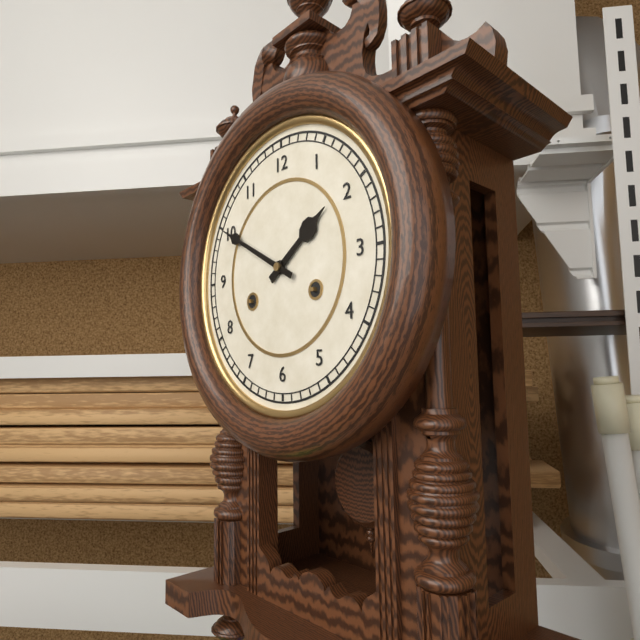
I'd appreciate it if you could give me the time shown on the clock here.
1:50
